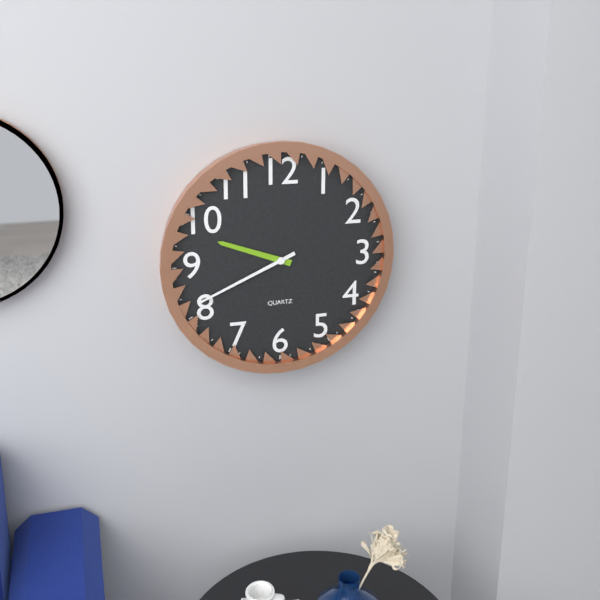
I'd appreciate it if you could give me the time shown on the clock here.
9:41
